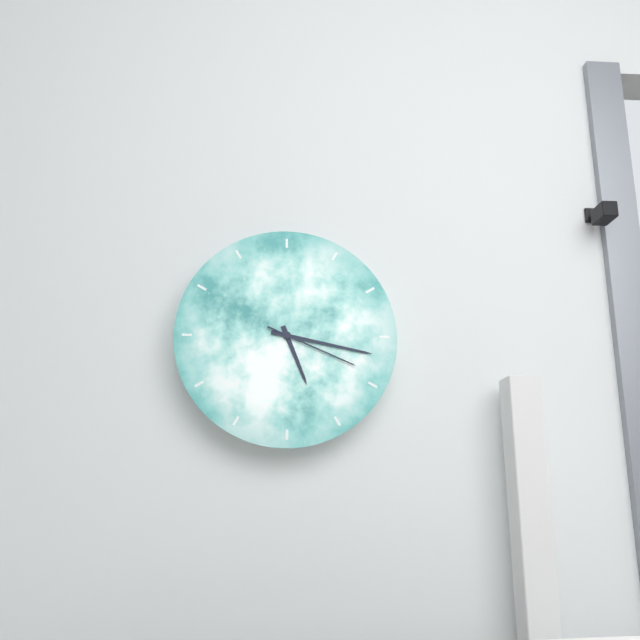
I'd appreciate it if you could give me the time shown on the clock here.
5:17:19
